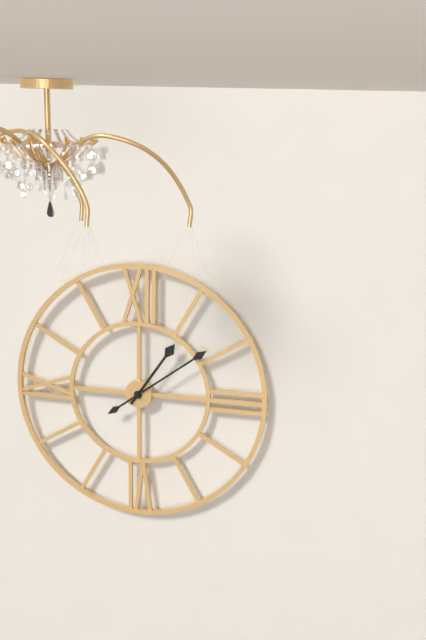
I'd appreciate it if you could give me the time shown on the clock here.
1:09
